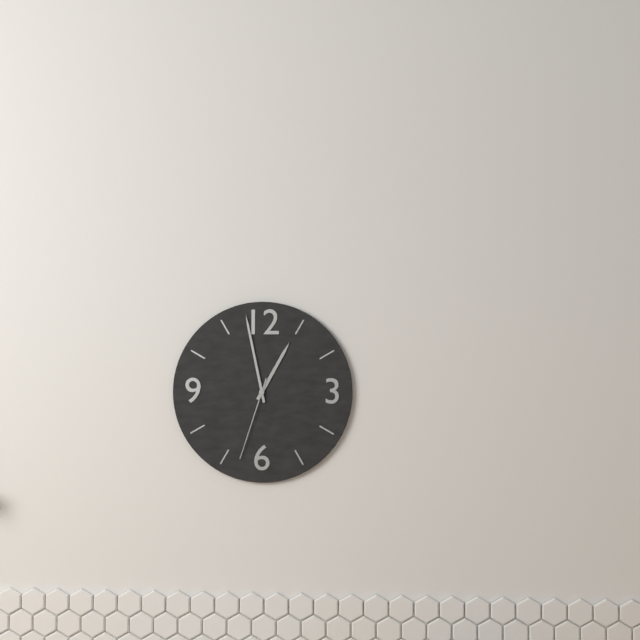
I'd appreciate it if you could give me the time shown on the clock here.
12:58:33
